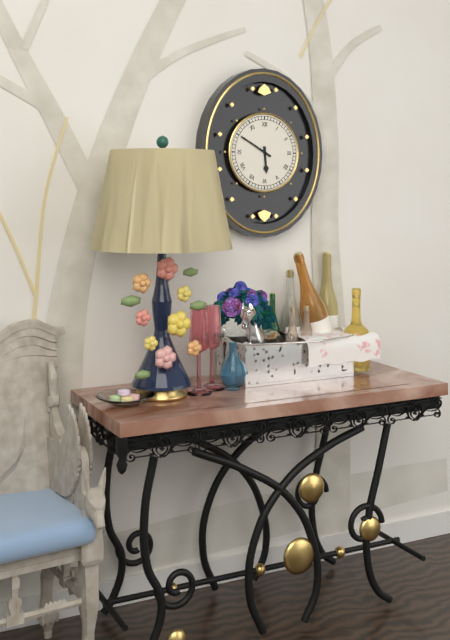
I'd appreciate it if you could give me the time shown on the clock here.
5:50
